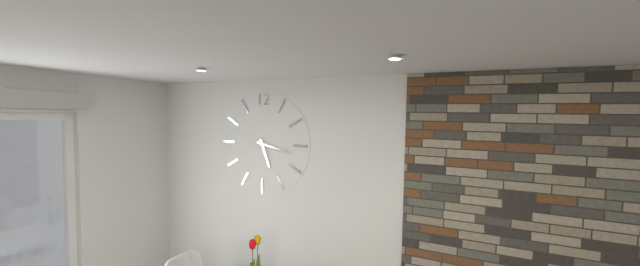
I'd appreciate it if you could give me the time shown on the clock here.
5:17
